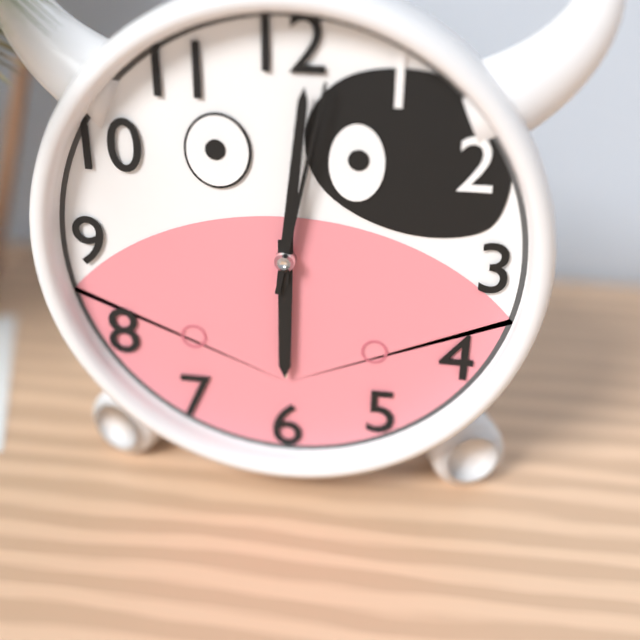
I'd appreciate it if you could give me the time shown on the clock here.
6:01:02
